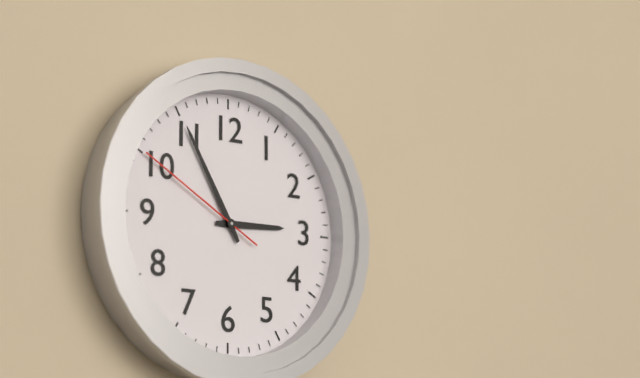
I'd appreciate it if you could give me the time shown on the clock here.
2:55:50
